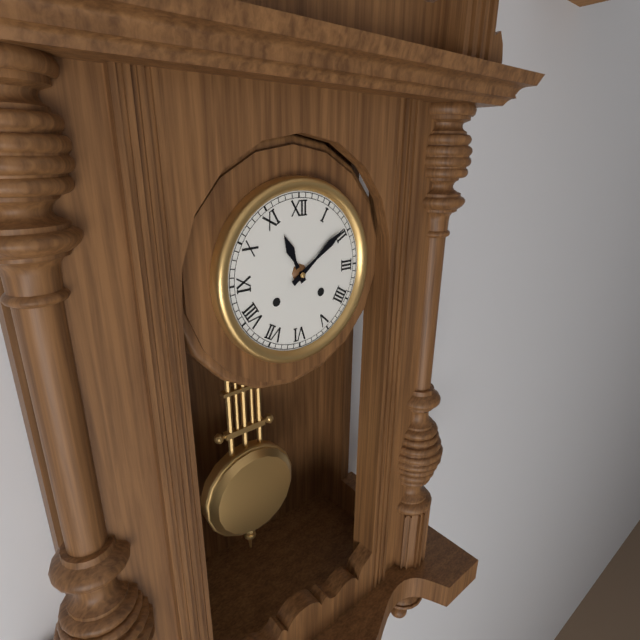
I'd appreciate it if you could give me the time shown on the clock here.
11:09
